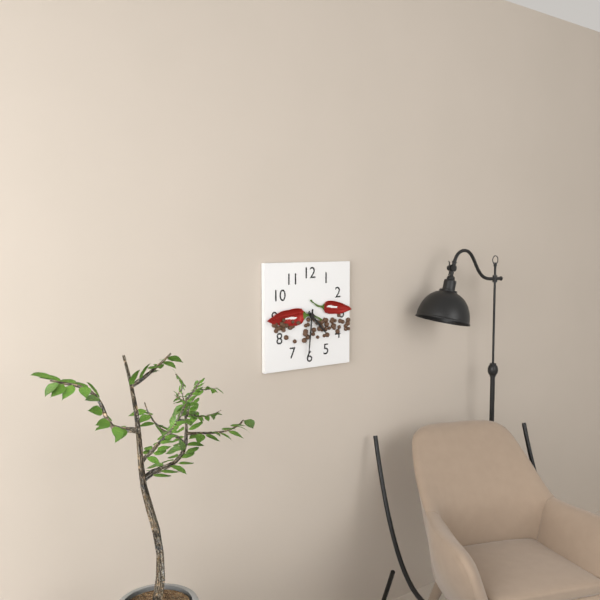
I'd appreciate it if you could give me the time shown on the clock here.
4:31
